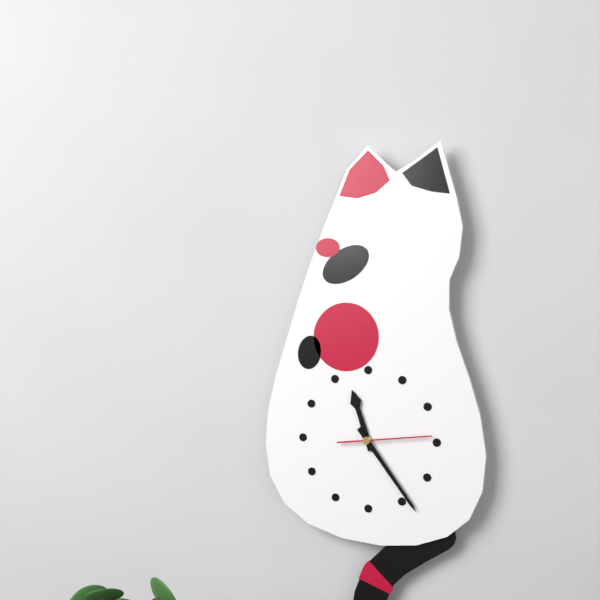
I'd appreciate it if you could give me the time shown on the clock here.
11:24:14
